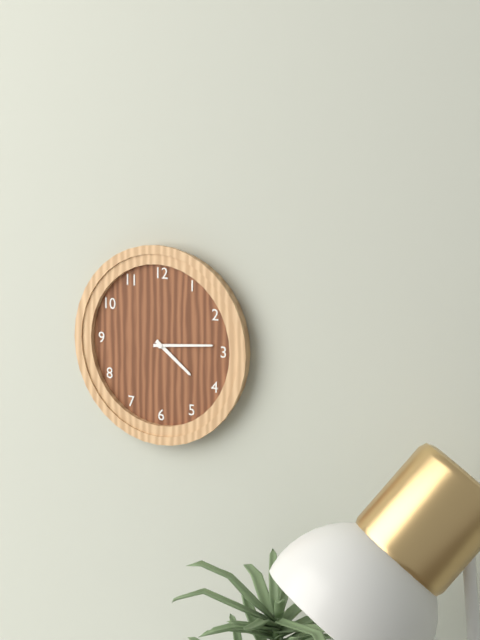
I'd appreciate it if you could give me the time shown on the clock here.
4:14
